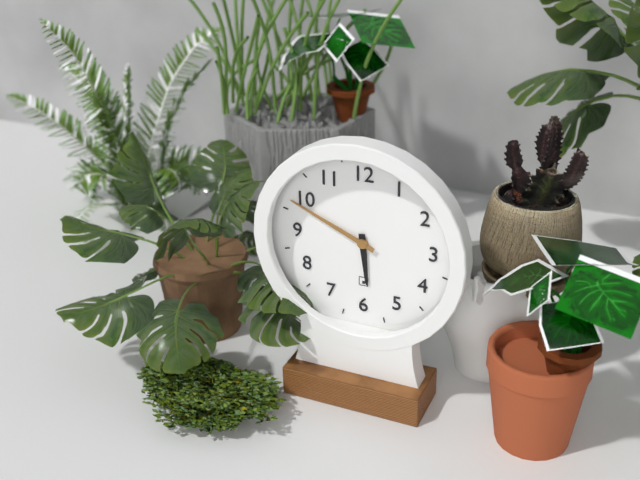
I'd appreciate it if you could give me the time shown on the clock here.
5:49
